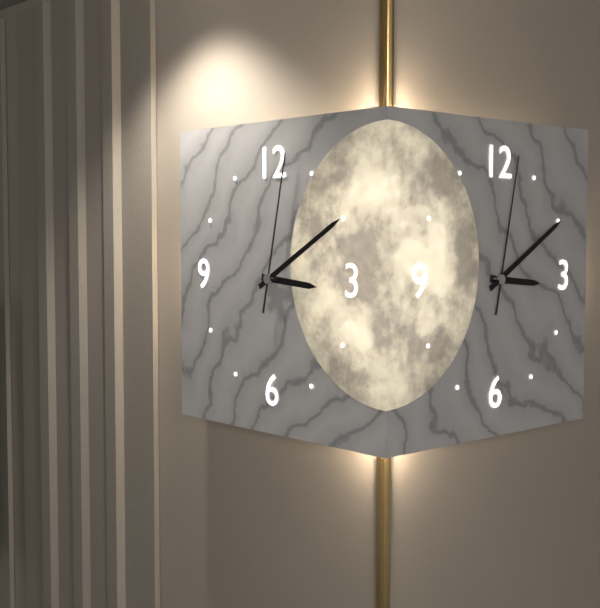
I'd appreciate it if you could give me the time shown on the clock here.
3:10:02
